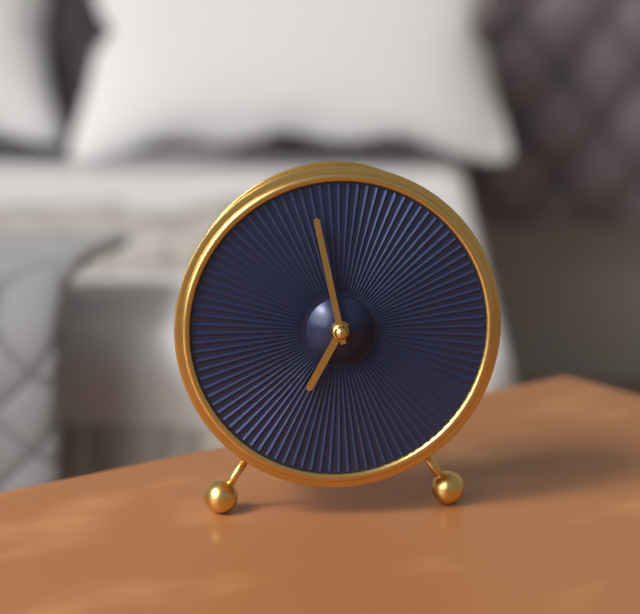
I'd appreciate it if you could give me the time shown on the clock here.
6:58
